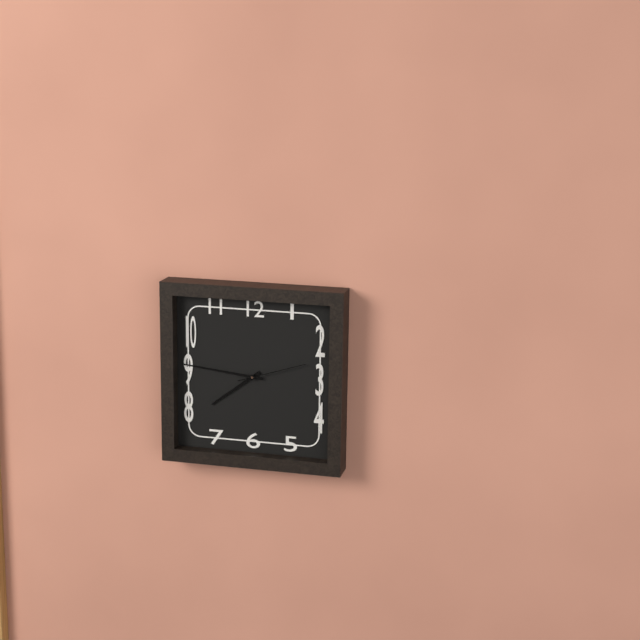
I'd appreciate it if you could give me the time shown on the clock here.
7:46:12
